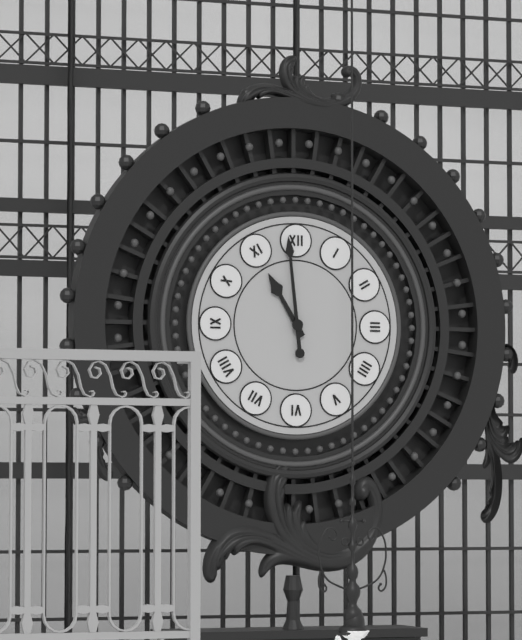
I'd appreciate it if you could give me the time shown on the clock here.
10:59
